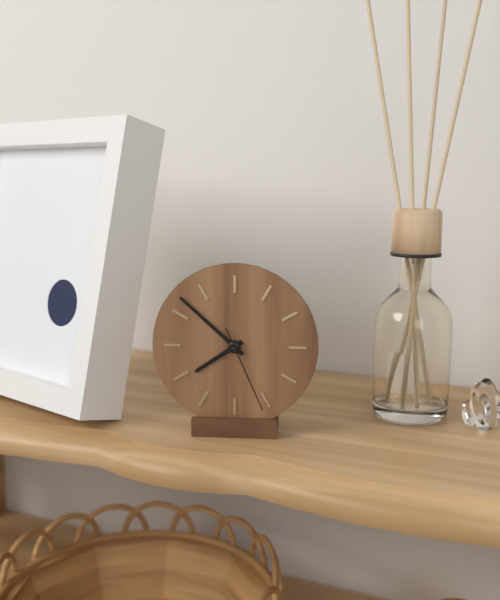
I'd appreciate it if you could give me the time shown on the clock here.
7:52:26
